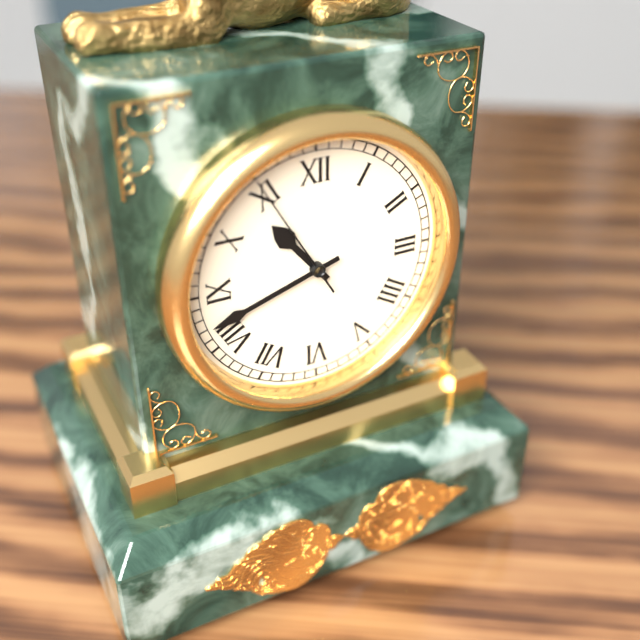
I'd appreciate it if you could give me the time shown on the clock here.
10:42:55
